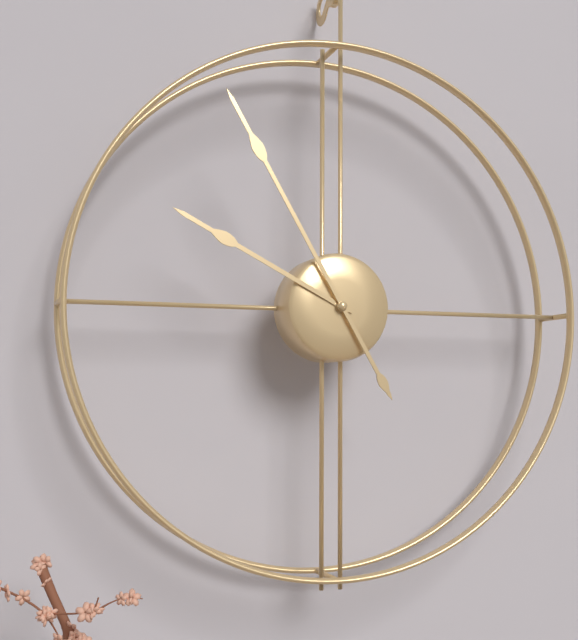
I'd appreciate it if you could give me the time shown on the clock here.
9:55
